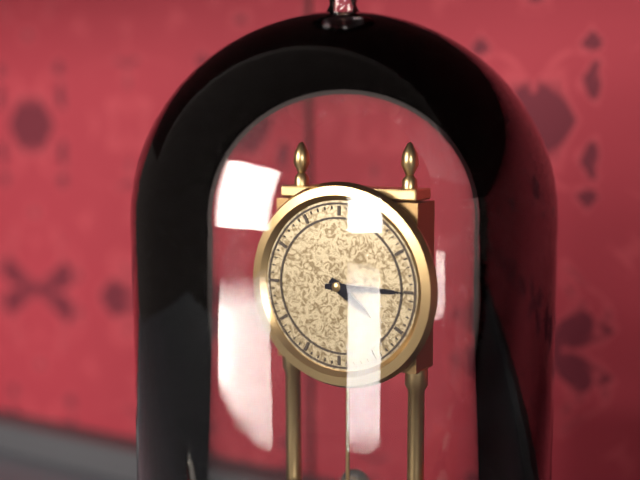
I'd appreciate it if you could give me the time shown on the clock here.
4:15
